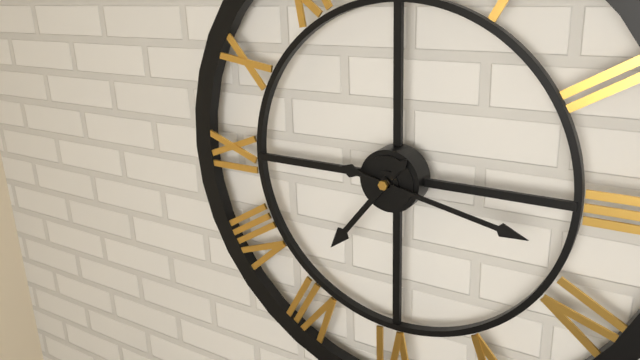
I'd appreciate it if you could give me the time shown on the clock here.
7:17
